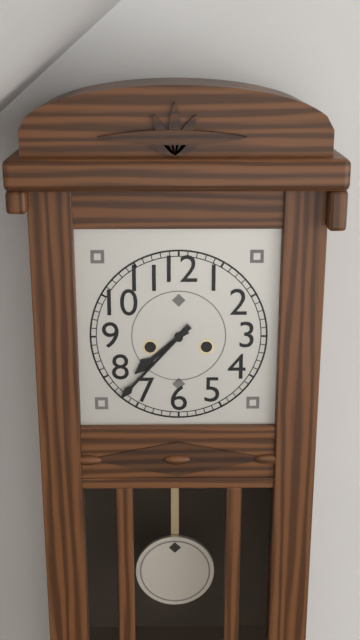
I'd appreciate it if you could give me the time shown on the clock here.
7:37
